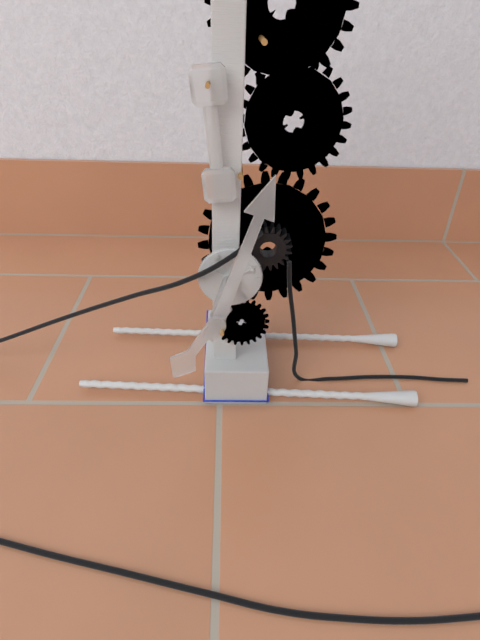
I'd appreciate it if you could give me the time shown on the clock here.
7:03
